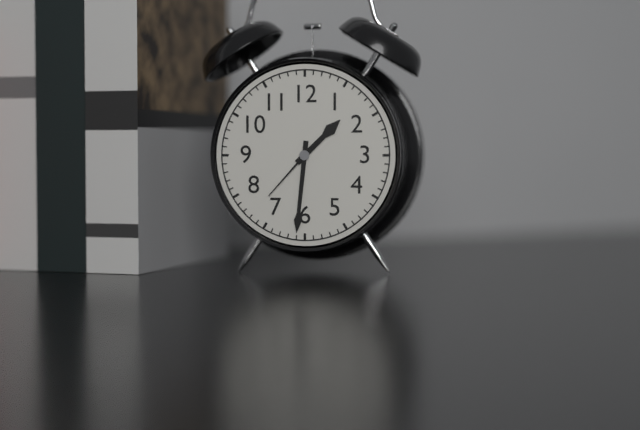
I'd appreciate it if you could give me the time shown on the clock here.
1:31:37
